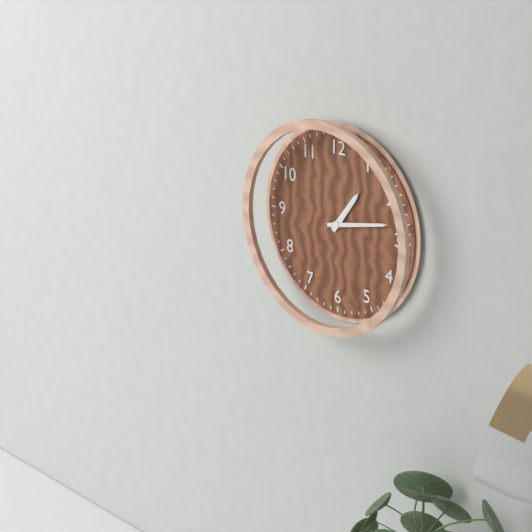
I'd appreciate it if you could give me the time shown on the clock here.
1:13
